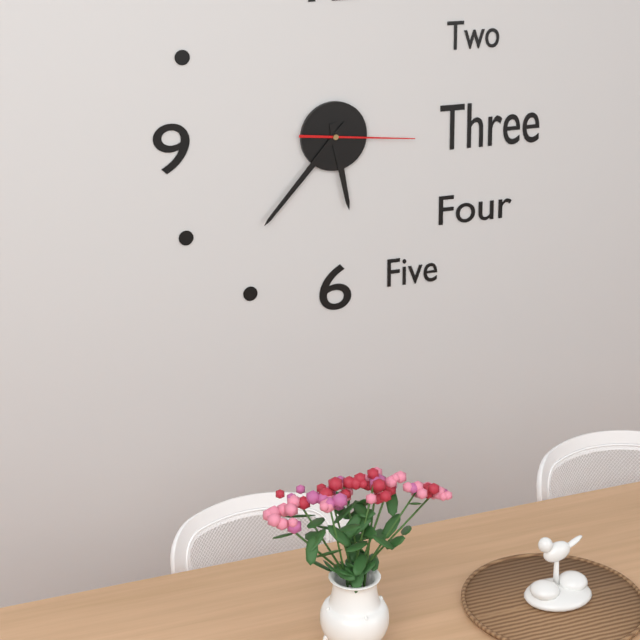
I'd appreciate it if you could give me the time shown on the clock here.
5:37:16
